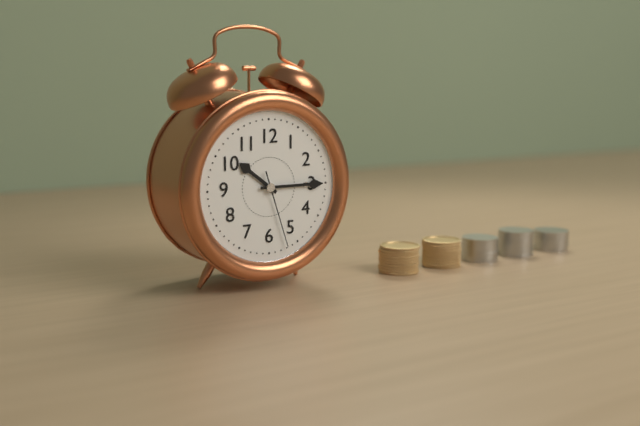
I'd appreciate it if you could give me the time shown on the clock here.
10:15:27
